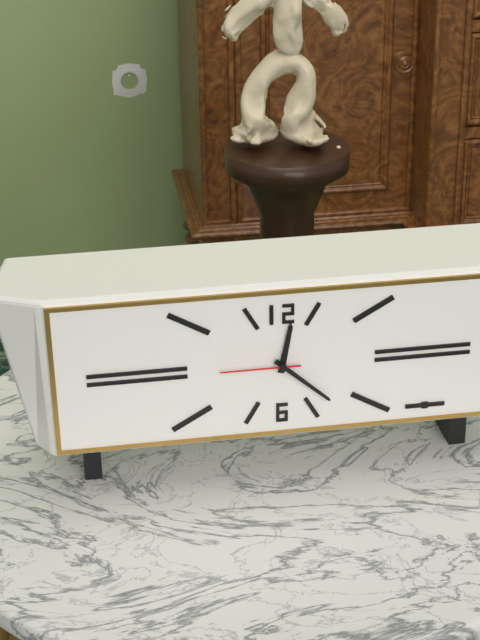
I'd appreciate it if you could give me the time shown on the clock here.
12:22:45
